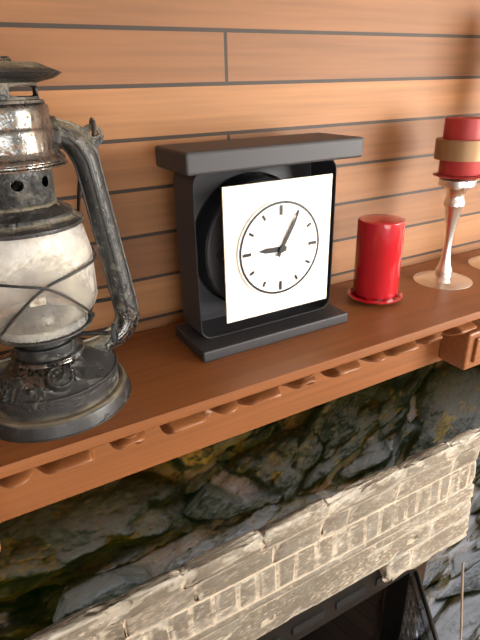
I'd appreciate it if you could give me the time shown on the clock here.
9:05
